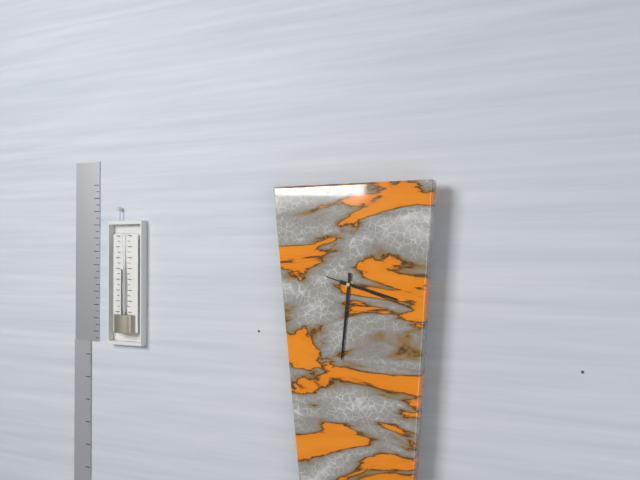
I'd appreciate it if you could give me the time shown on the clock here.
3:31:18
